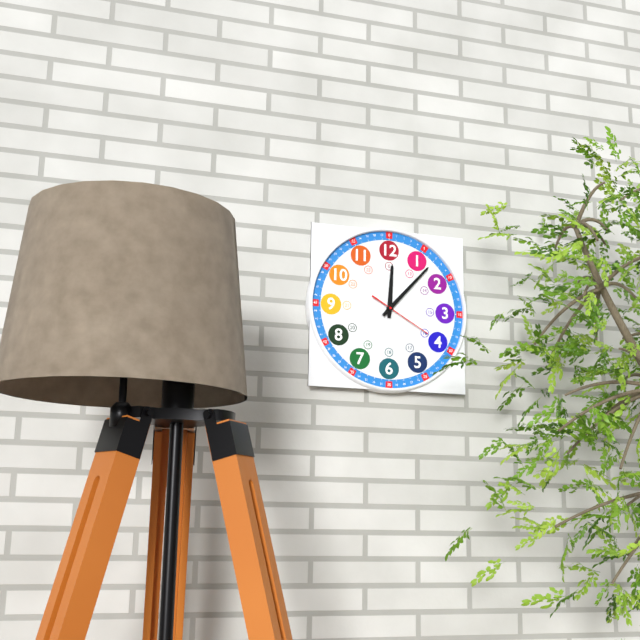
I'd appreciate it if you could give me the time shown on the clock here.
12:07:20
